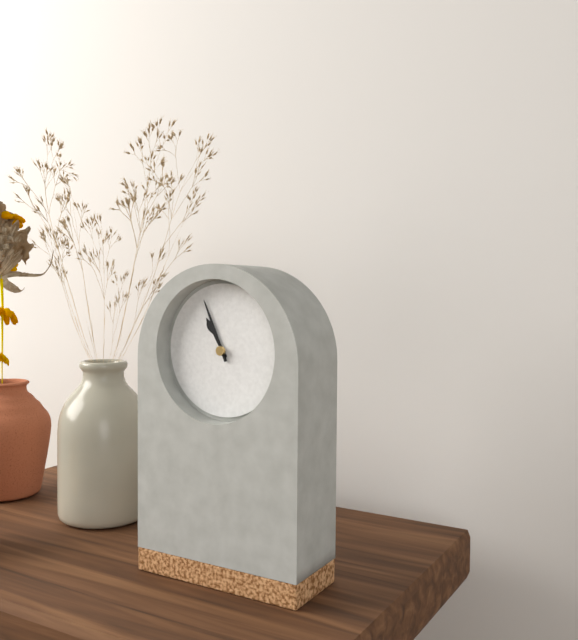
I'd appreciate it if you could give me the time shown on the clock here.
10:56
